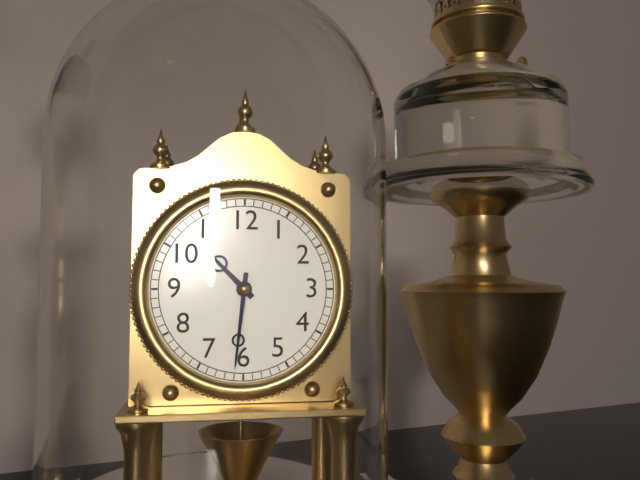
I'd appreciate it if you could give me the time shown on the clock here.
10:31
